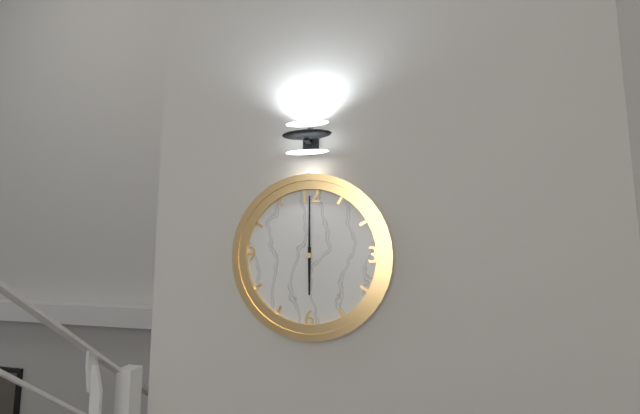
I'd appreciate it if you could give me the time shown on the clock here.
6:00
